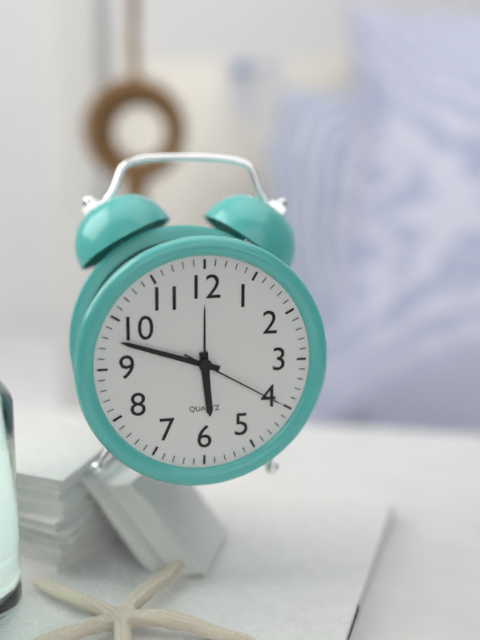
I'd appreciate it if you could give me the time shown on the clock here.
5:48:20
